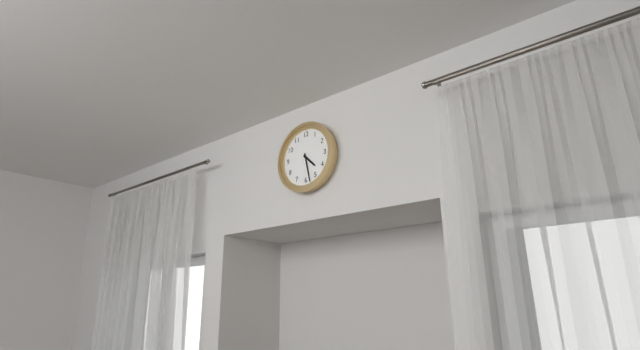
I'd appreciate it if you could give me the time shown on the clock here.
4:28
